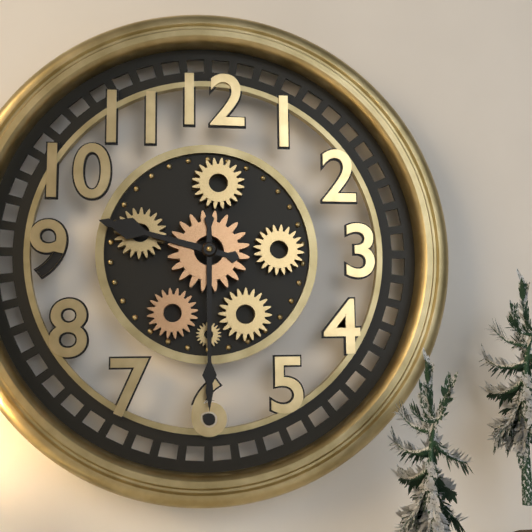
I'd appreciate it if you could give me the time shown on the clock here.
9:30
